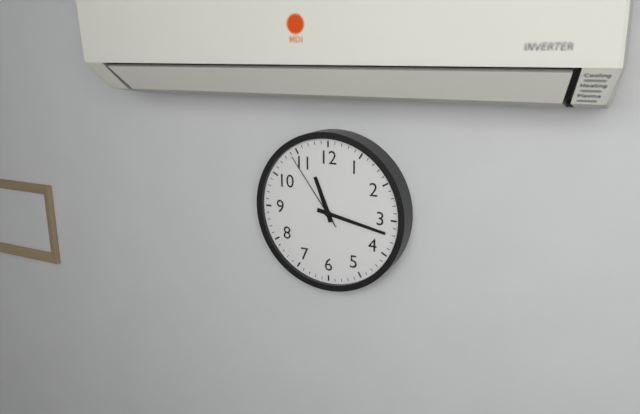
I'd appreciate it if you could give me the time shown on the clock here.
11:17:54
